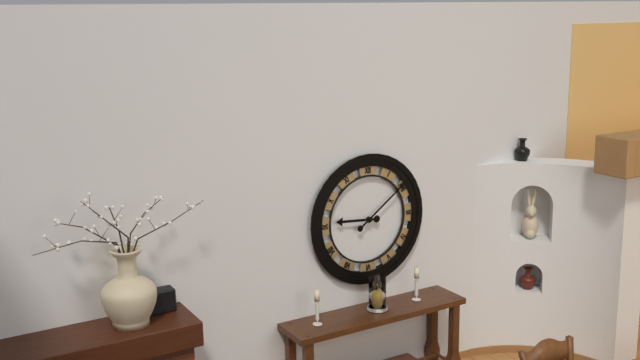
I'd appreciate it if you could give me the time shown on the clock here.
9:09
